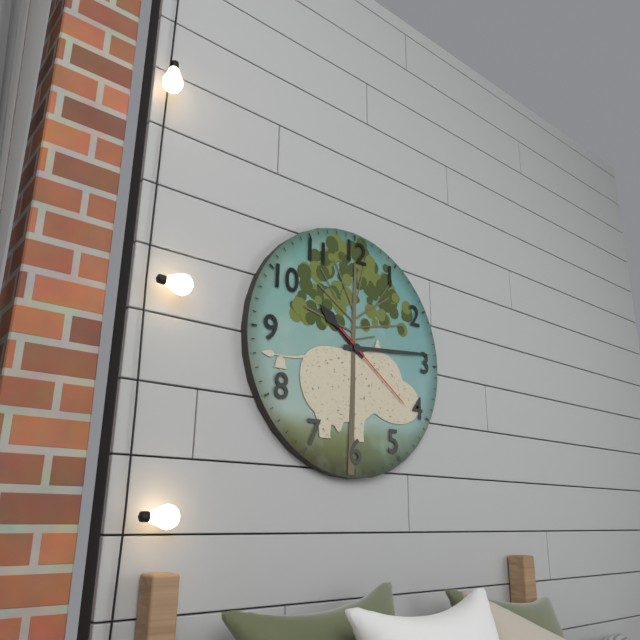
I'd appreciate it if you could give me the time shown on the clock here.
10:14:21
